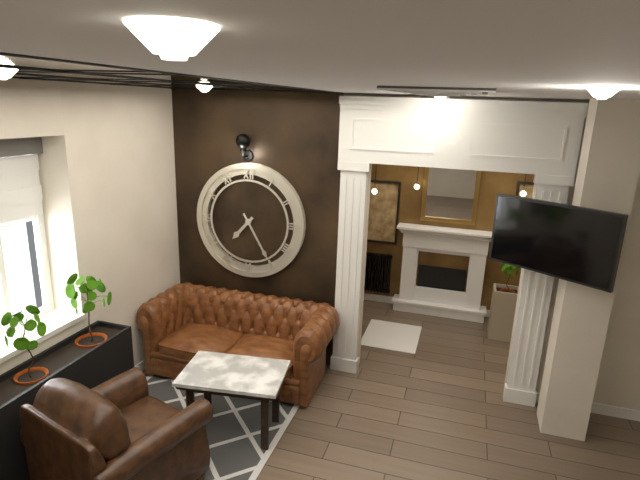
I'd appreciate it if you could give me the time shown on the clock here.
7:25
